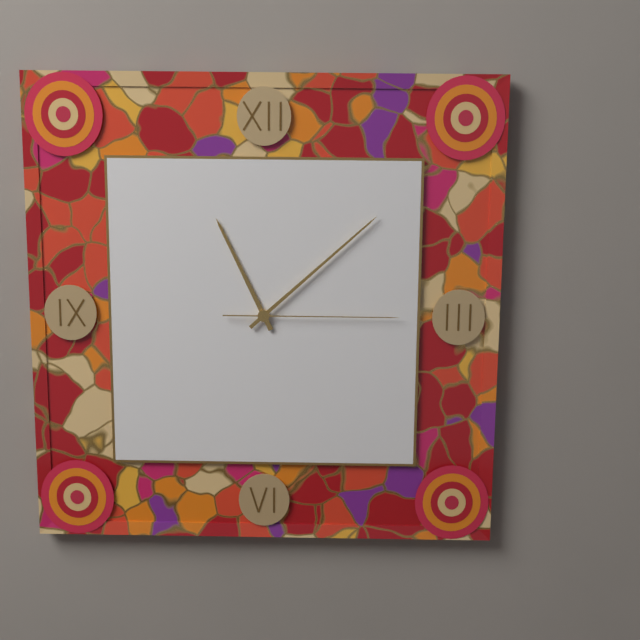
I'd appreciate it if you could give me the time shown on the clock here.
11:08:15
